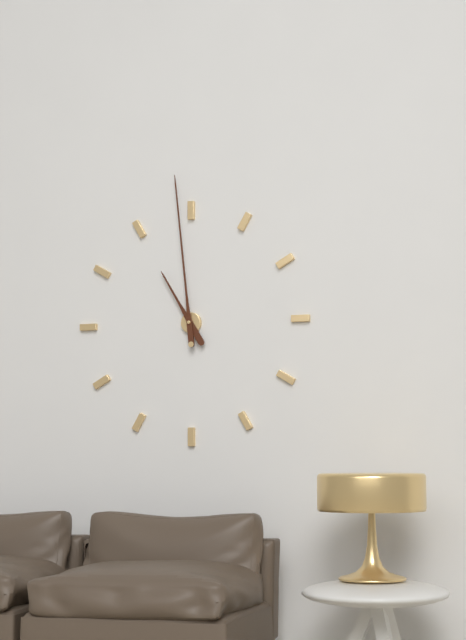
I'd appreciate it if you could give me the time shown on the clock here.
10:59
